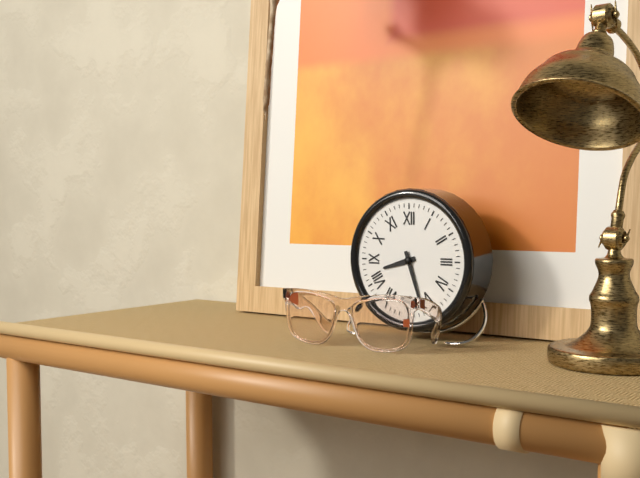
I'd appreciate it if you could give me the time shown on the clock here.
8:27
